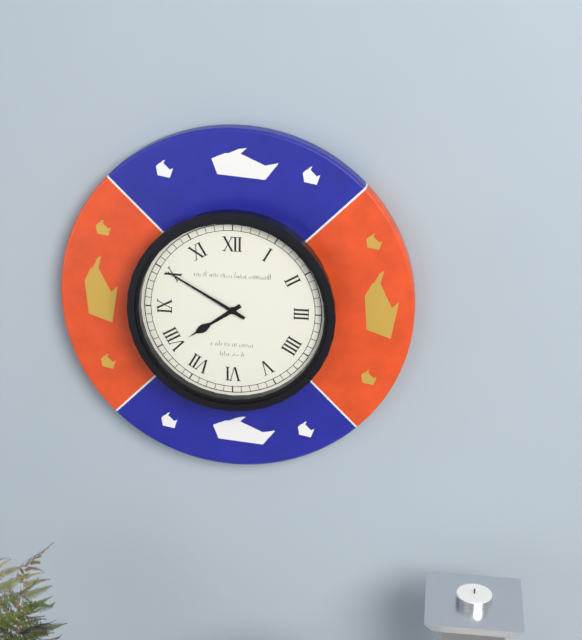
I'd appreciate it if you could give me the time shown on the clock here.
7:50
